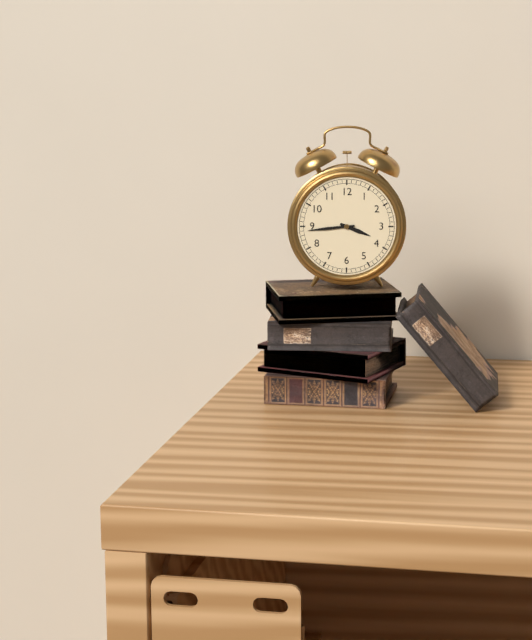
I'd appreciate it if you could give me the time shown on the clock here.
3:44
